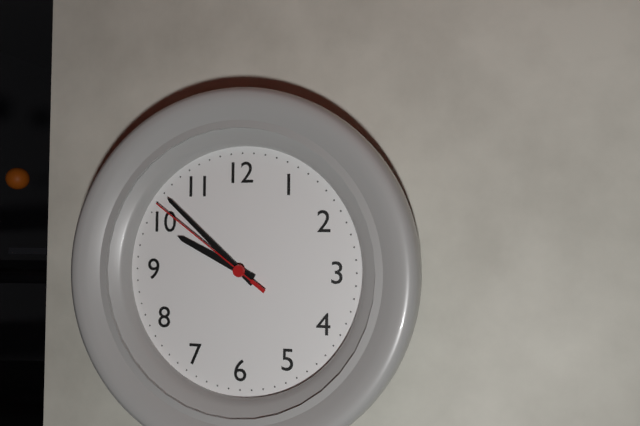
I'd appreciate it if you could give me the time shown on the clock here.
9:52:51
